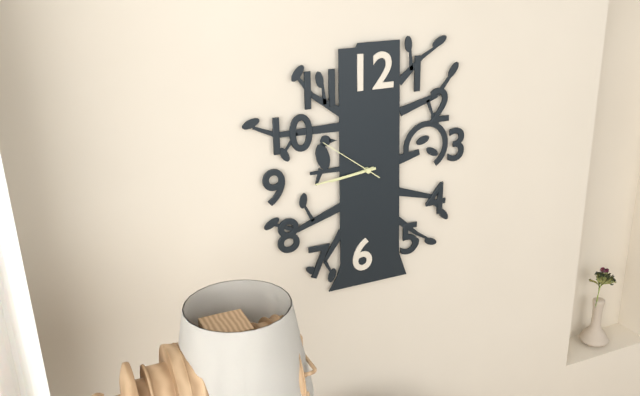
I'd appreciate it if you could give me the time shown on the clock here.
8:44:51
